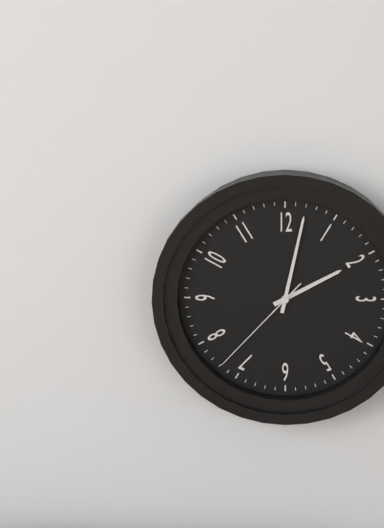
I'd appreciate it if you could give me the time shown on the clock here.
2:02:37
